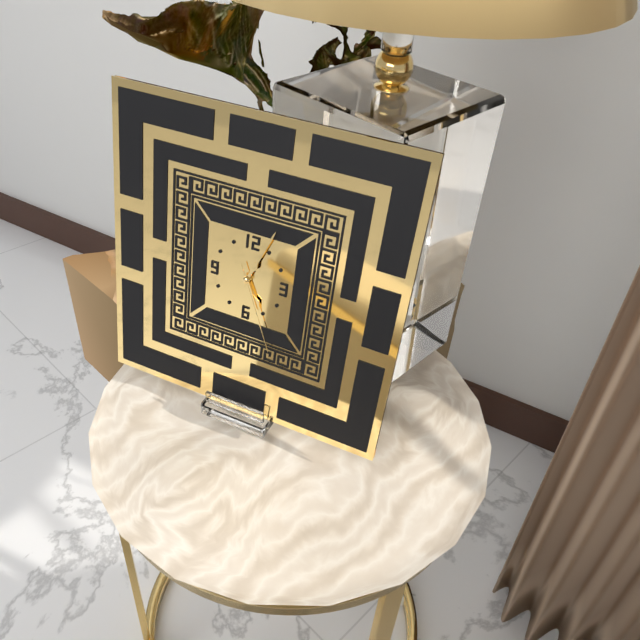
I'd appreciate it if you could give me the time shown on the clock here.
5:04:26
